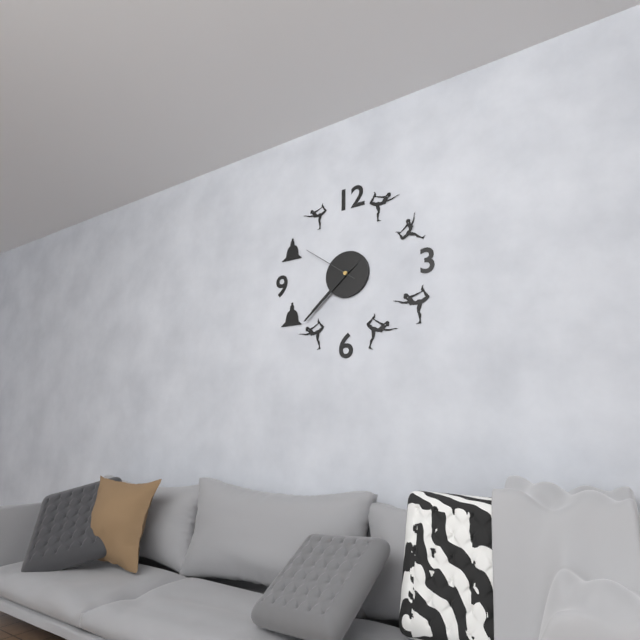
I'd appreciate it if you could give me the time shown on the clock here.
7:38:51
